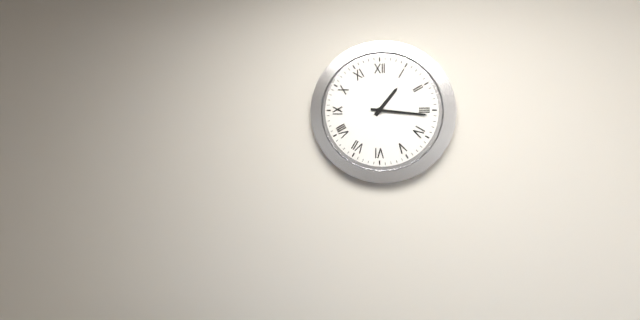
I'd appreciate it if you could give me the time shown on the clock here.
1:16
